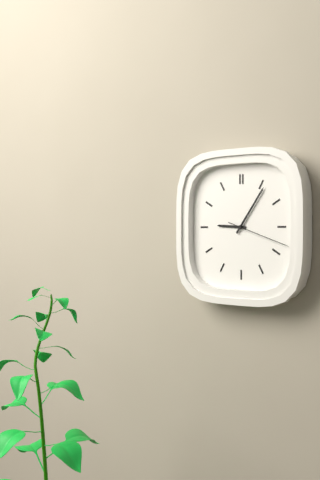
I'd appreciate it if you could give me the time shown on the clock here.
9:06:18
